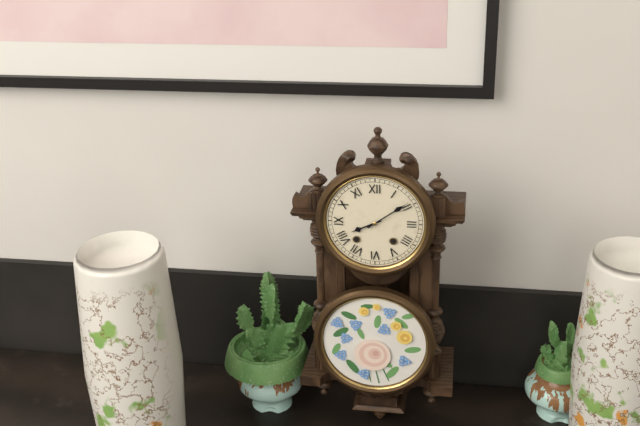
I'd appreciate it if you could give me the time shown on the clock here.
8:09
